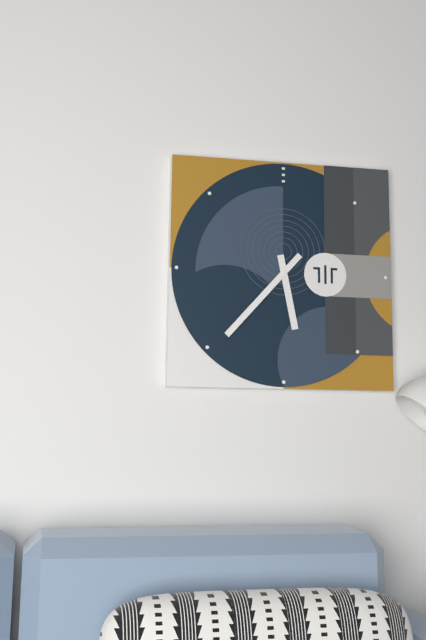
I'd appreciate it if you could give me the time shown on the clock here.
5:37
